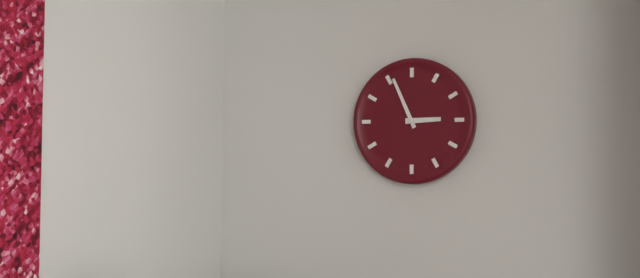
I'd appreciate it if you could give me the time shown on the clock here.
2:56
